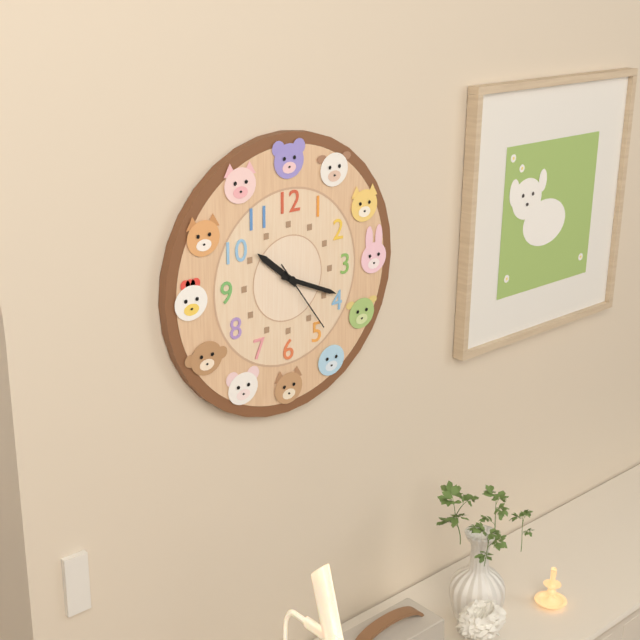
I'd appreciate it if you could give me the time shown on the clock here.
10:19:24
